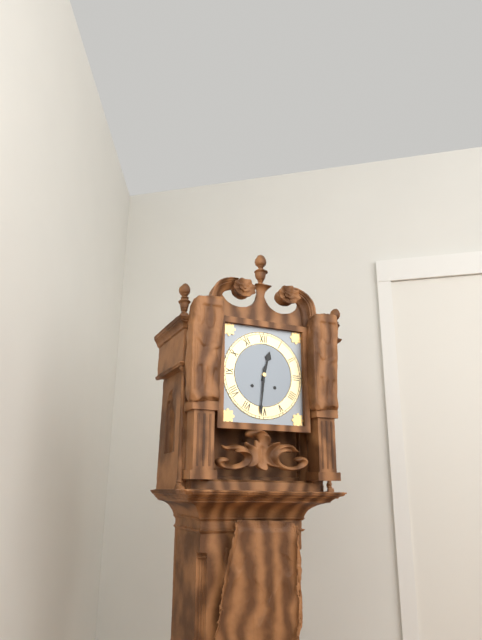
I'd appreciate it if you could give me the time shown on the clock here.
12:31
